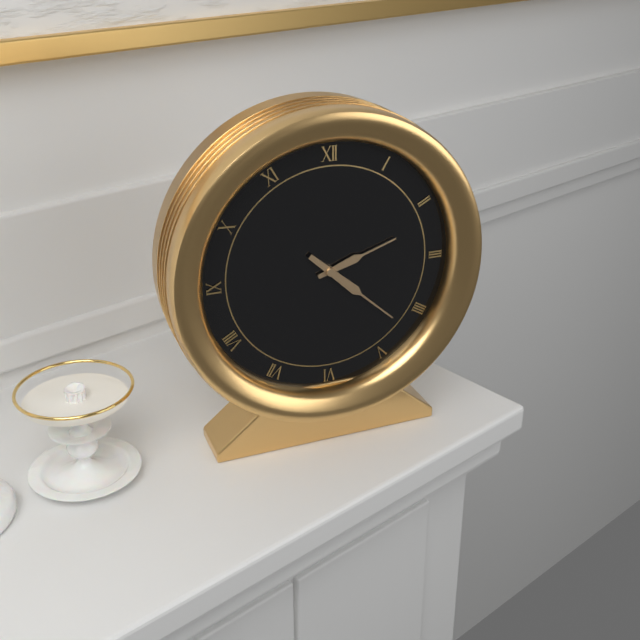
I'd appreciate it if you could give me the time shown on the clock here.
2:22
